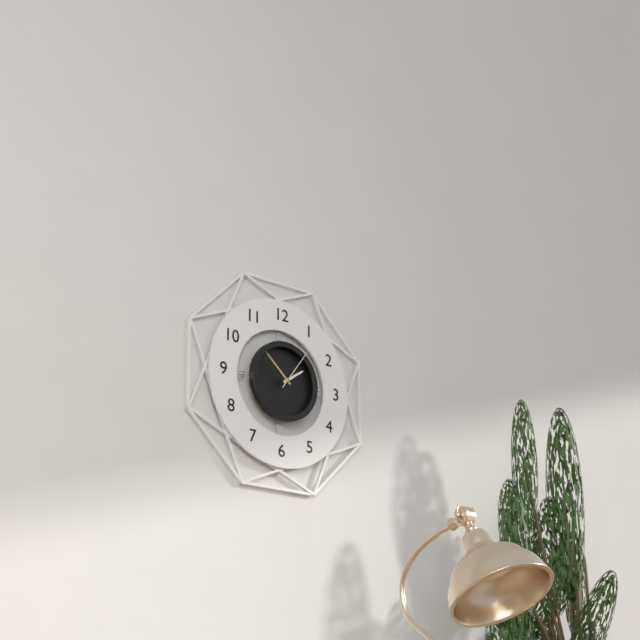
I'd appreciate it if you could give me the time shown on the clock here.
1:52
